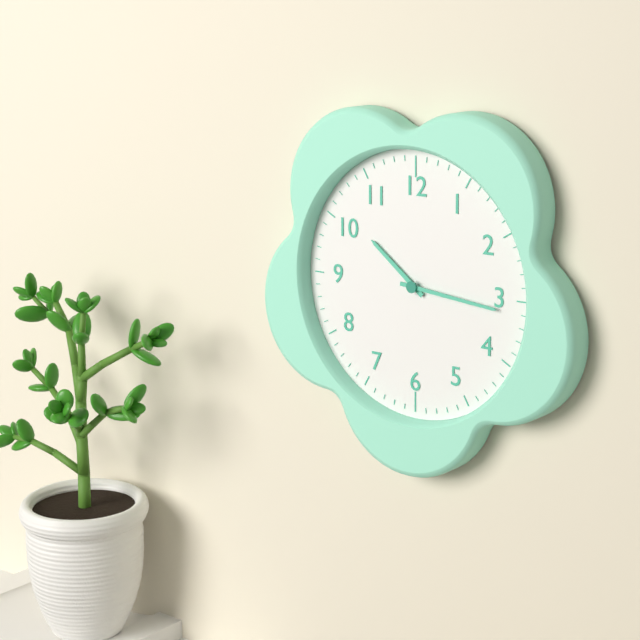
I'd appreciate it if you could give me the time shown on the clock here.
10:16
